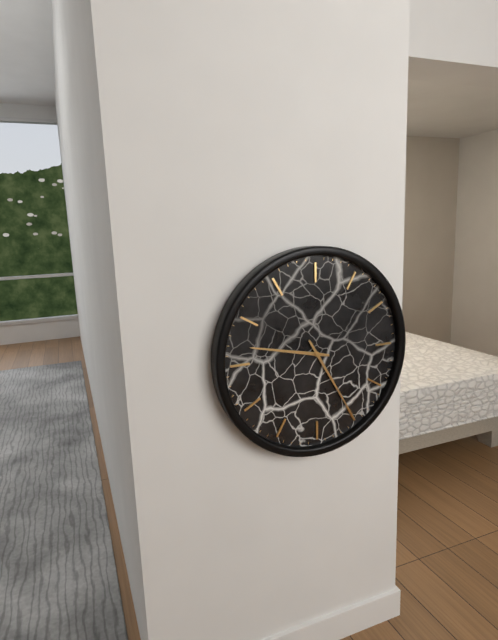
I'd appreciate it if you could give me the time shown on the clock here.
9:25
